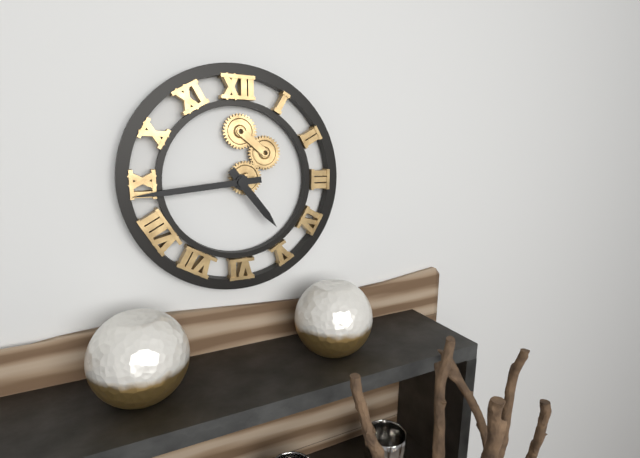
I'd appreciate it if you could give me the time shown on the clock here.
4:44
